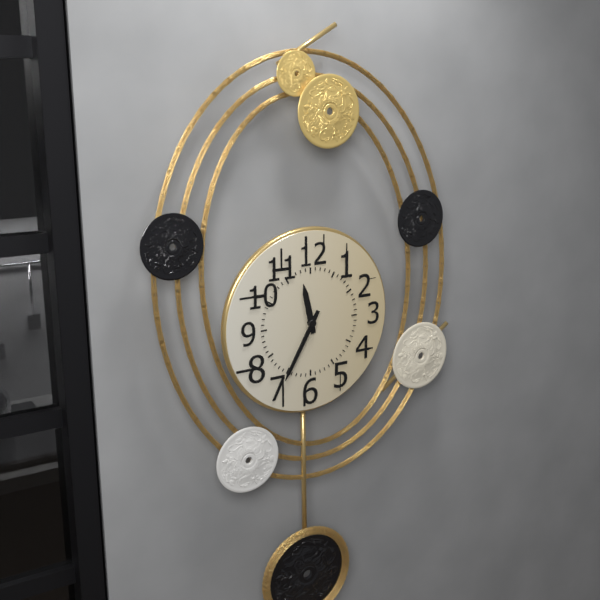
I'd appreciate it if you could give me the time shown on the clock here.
11:35
